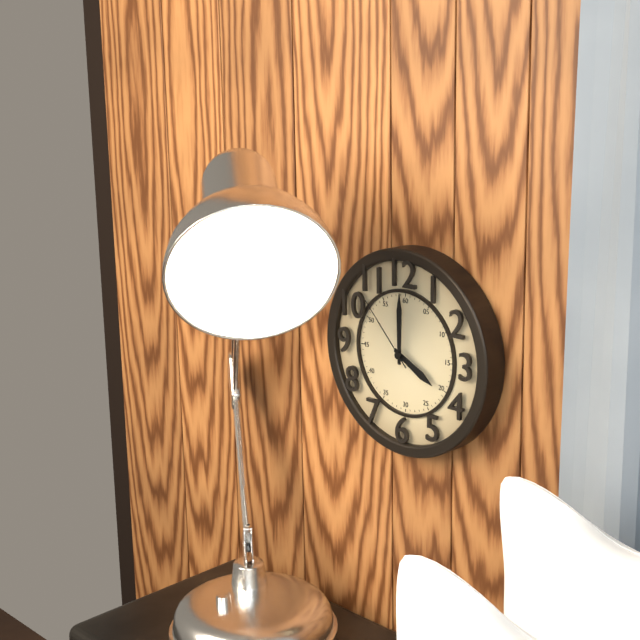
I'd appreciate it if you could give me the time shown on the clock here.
4:00:53
